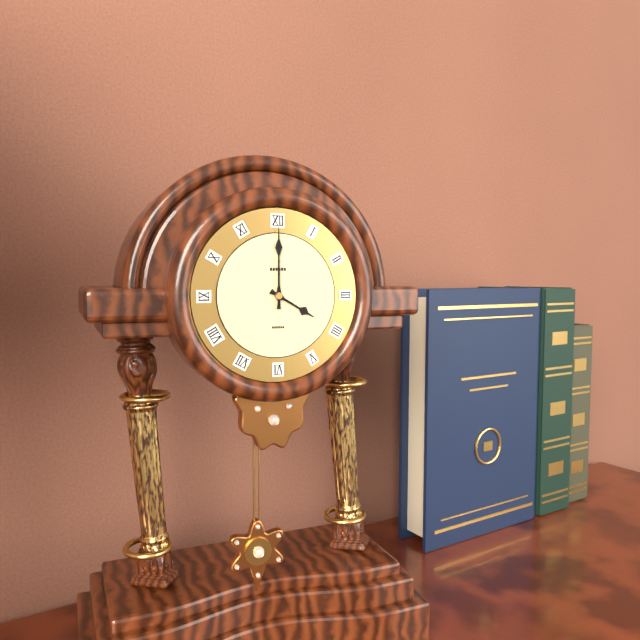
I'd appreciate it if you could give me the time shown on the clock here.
4:00
